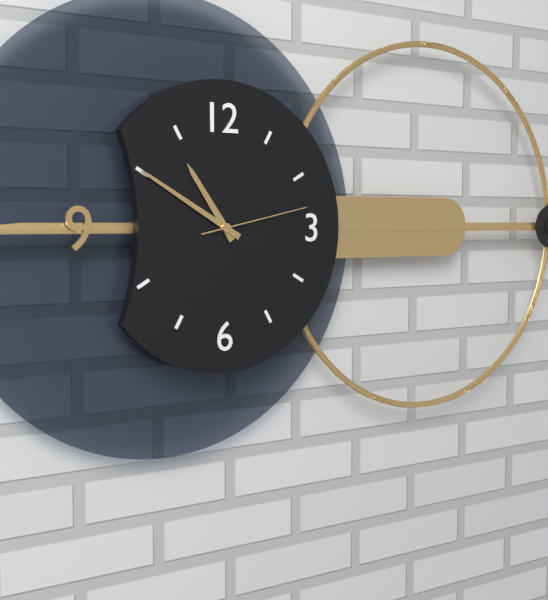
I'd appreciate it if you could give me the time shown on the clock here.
10:50:13
